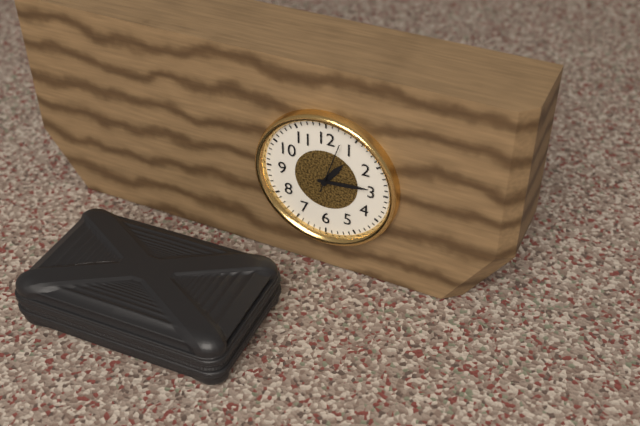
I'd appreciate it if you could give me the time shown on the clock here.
1:14:03
